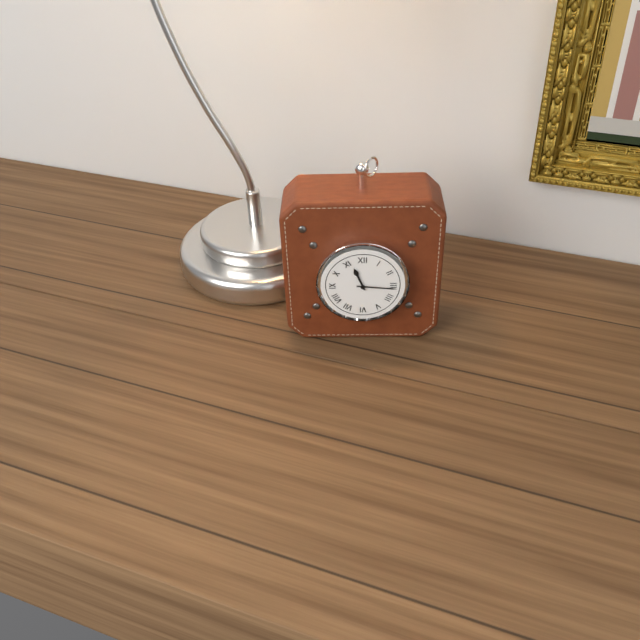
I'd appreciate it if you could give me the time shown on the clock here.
11:16
